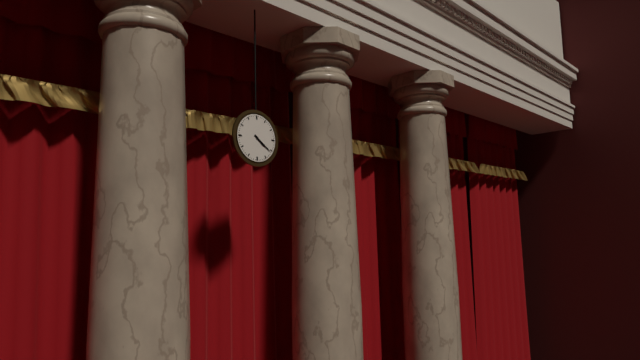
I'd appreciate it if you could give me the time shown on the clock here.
4:21
